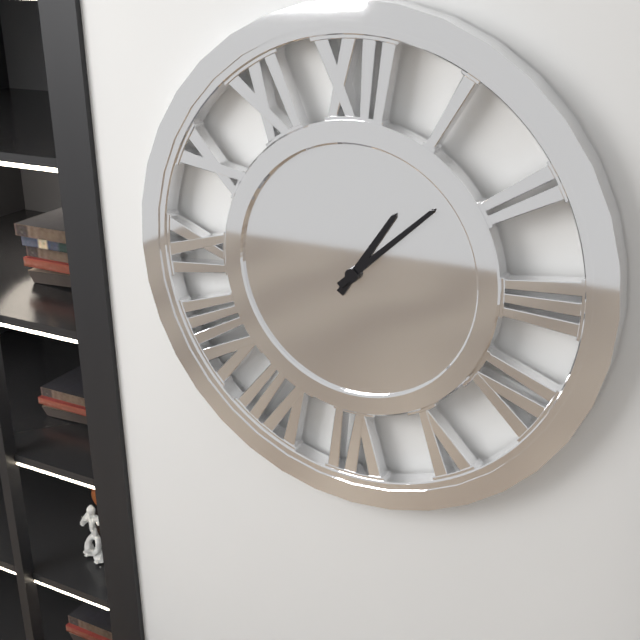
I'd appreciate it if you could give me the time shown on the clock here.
1:08
